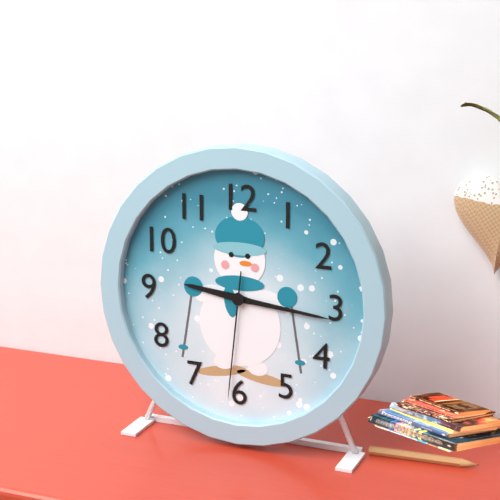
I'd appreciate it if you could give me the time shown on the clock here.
9:16:31
